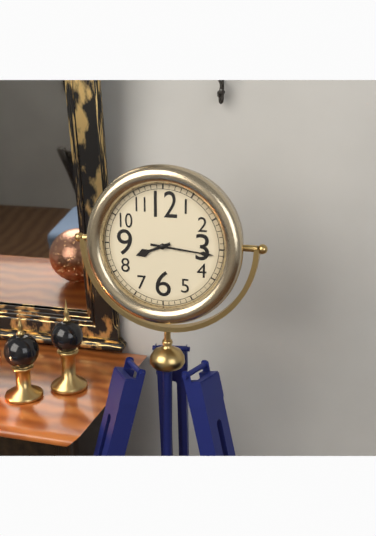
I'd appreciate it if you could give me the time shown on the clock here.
8:16
